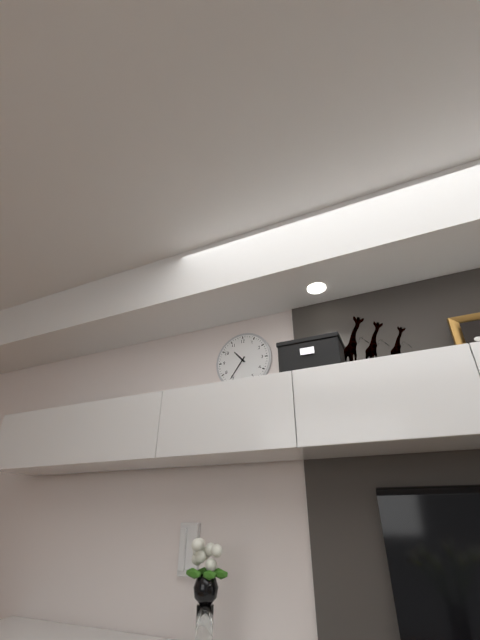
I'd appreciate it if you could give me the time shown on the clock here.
10:36
